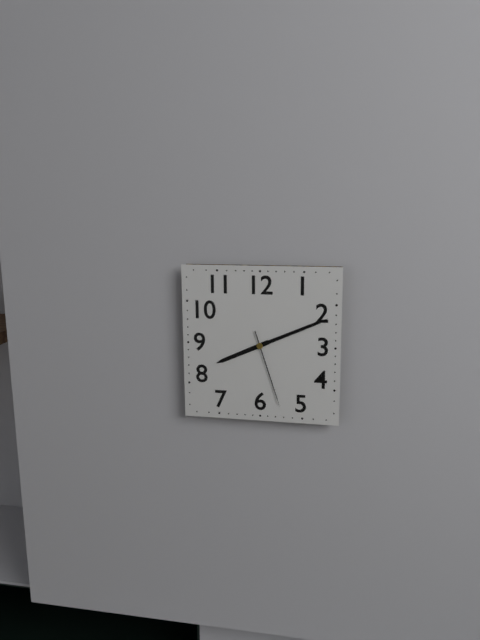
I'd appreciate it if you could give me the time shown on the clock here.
8:11:27
